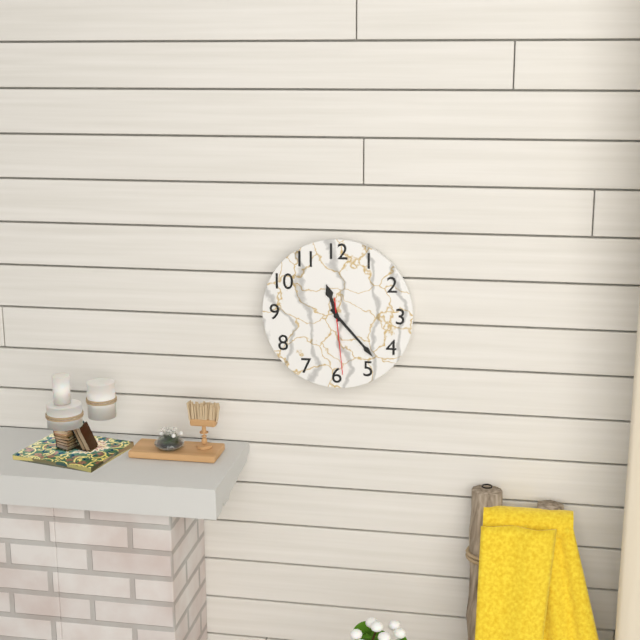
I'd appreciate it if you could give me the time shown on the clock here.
11:23:29
